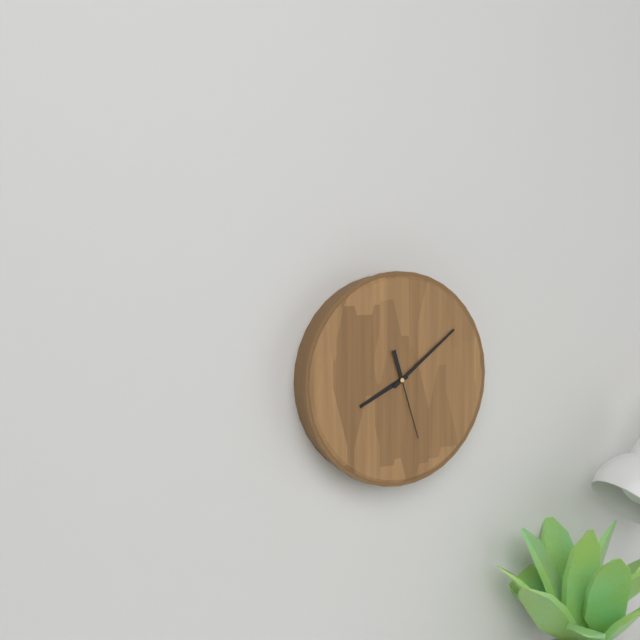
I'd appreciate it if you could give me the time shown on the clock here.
8:09:27
